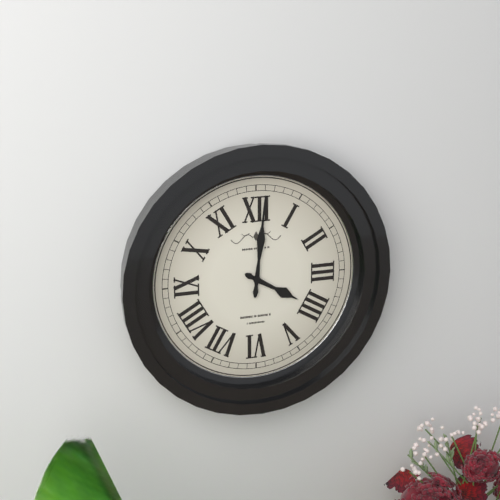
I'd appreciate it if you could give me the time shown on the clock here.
4:01
